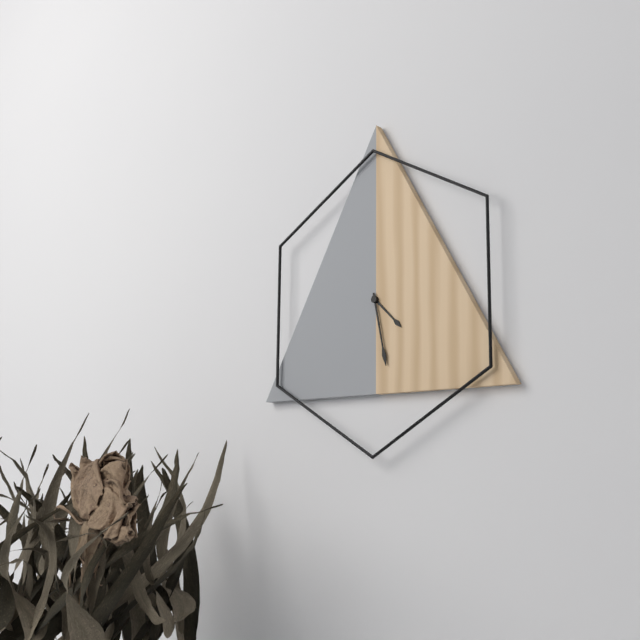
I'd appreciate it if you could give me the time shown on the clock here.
4:28
